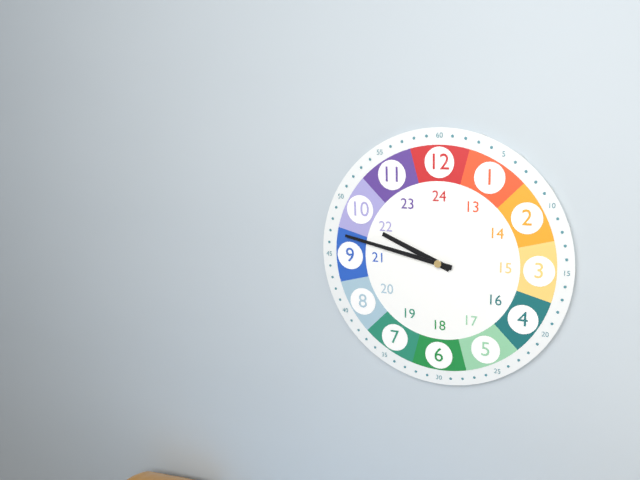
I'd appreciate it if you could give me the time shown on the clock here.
9:47
